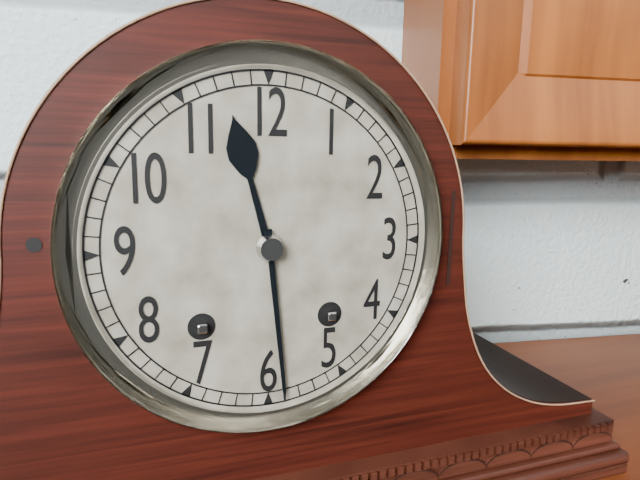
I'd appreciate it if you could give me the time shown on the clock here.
11:29
